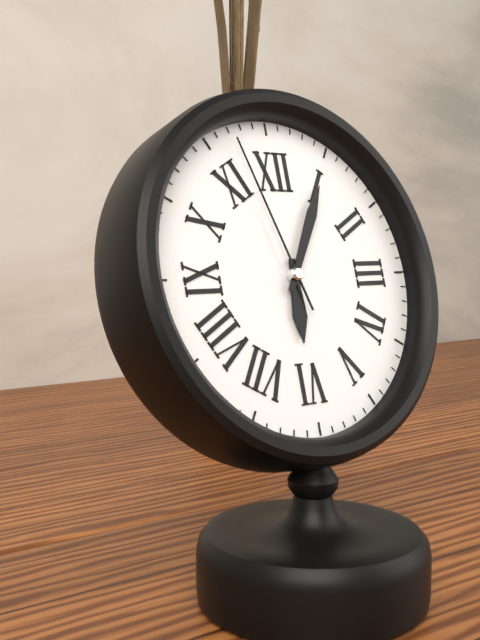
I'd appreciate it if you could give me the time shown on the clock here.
6:05:57
